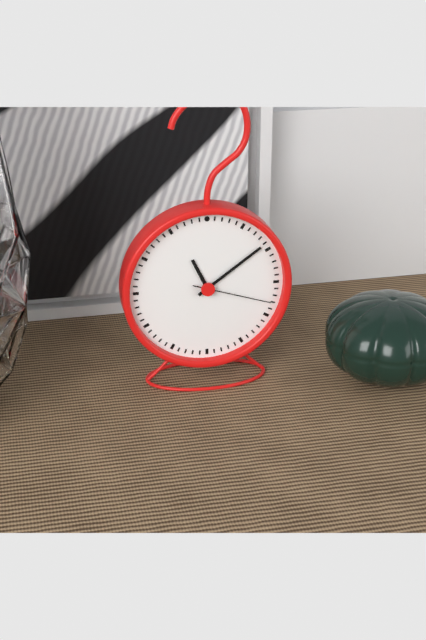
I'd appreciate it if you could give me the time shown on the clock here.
11:09:18
